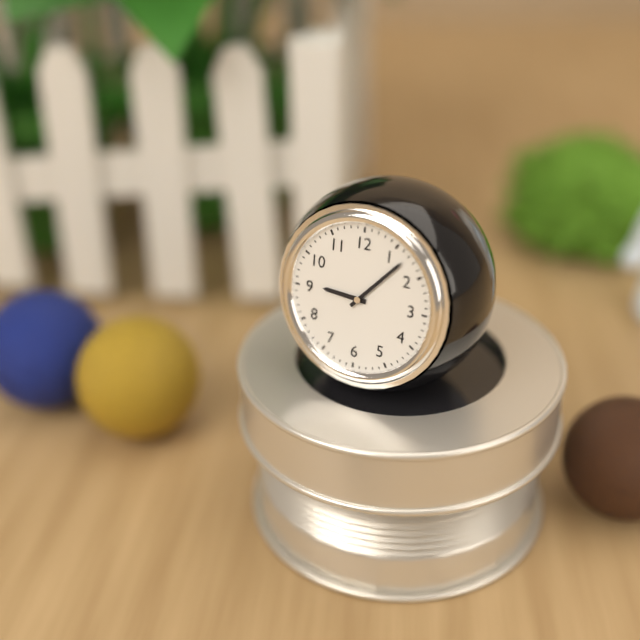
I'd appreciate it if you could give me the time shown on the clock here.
9:07
